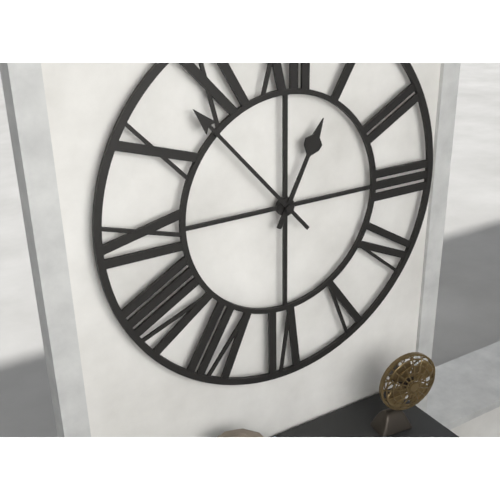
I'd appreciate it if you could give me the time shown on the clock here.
12:53
